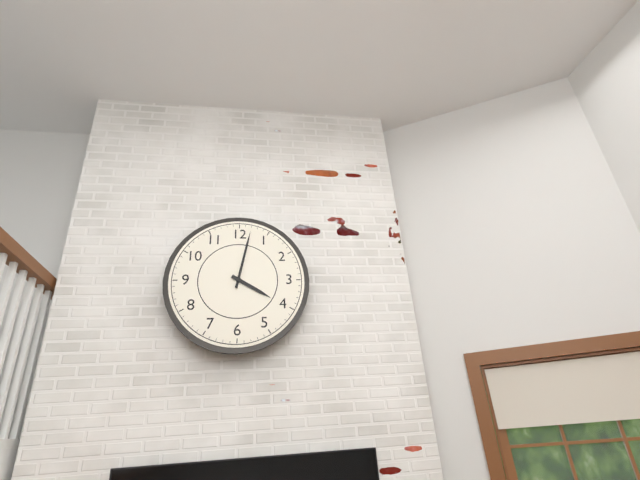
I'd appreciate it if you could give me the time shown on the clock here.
4:02
